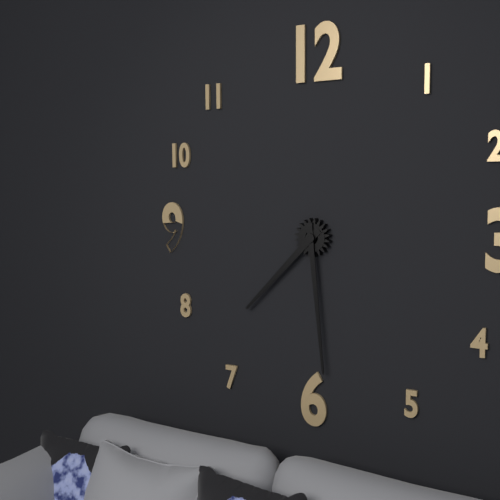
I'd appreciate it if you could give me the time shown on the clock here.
7:29
